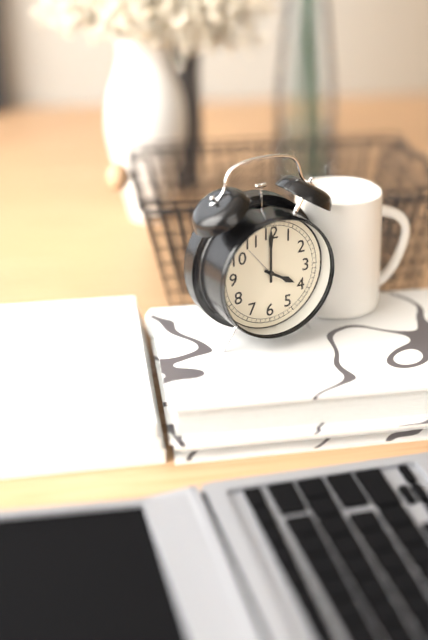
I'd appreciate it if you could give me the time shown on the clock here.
4:00
